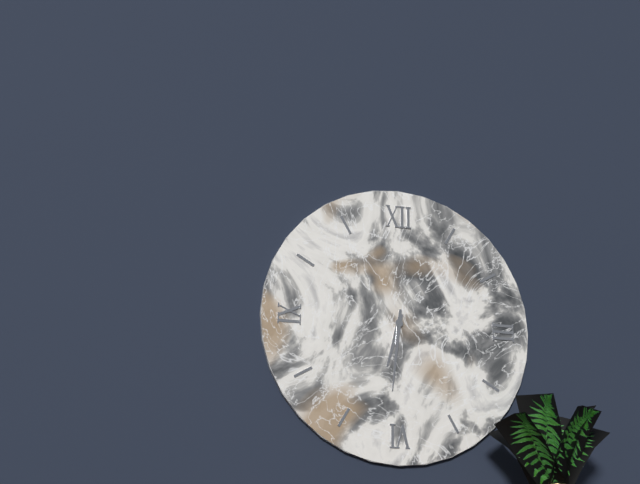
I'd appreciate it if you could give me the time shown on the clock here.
6:31
